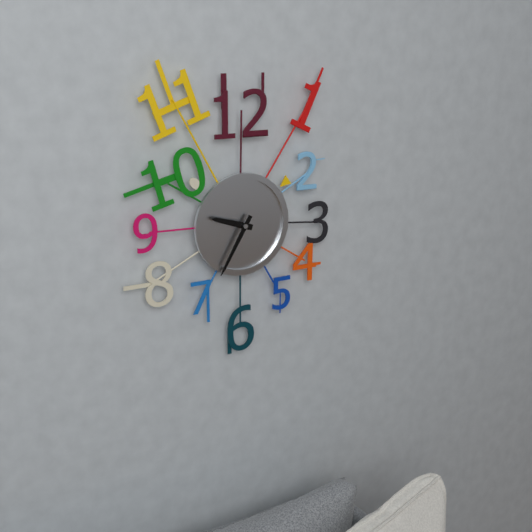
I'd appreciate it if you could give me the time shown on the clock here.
9:35
